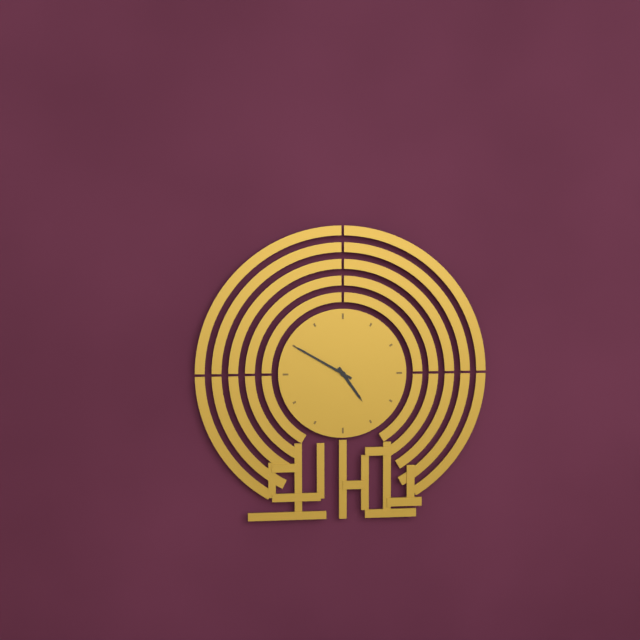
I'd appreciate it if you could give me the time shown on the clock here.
4:50
